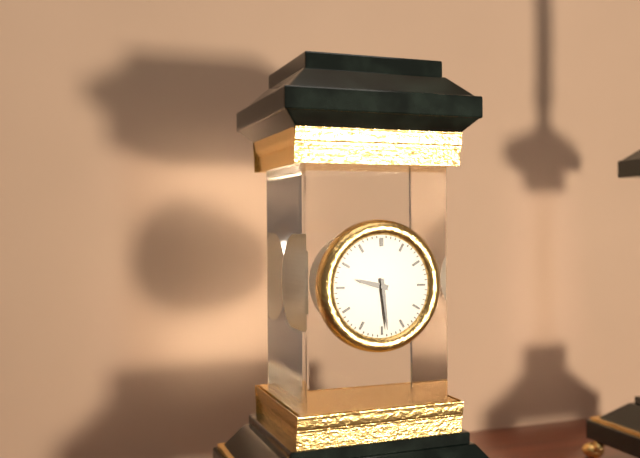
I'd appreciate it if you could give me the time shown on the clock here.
9:29
